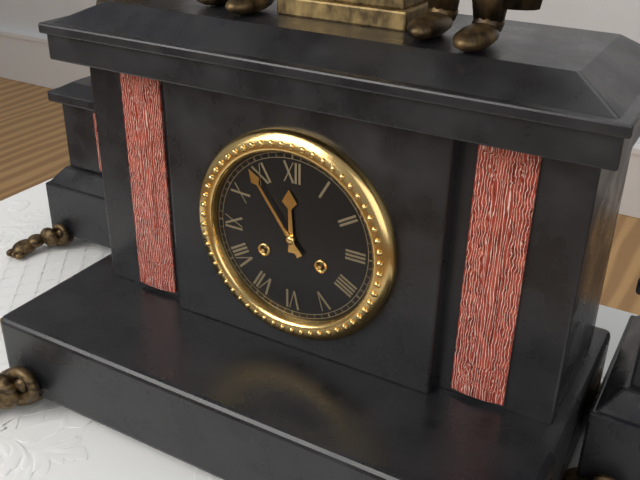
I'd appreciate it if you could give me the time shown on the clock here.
11:54
